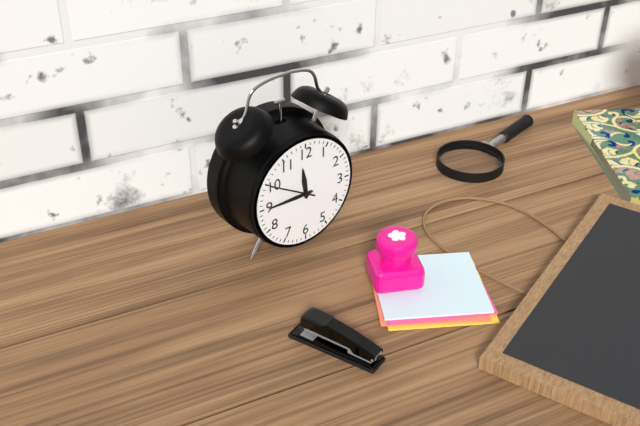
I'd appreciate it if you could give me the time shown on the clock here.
11:45
